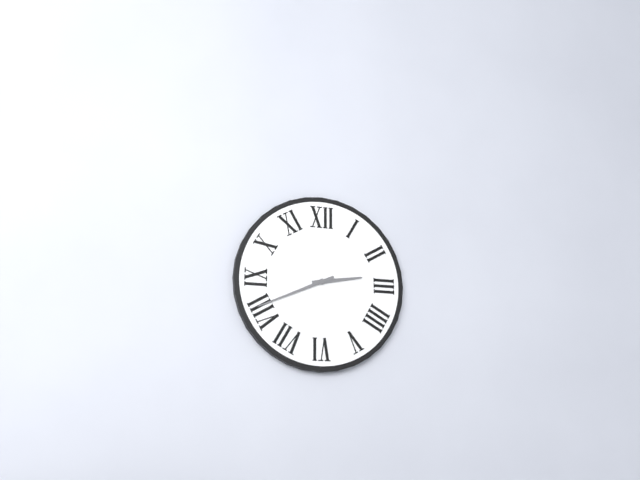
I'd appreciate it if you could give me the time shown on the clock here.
2:41
